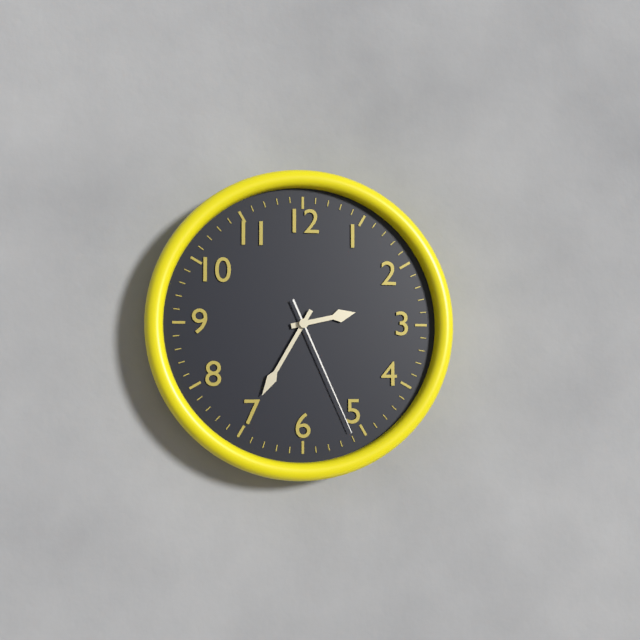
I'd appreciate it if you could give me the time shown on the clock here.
2:35:26
